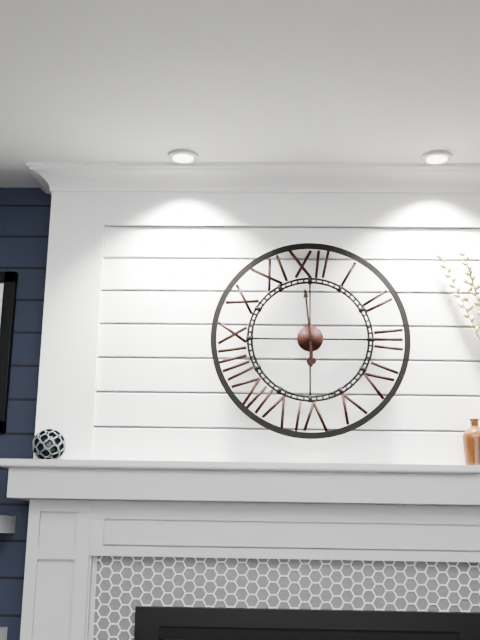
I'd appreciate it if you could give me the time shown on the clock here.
5:59
